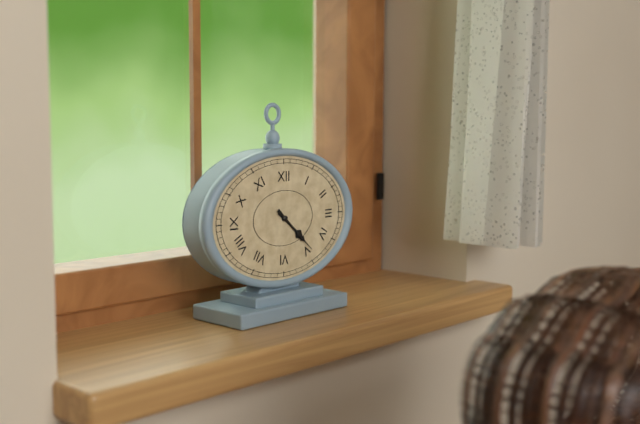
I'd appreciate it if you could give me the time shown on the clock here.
4:22
